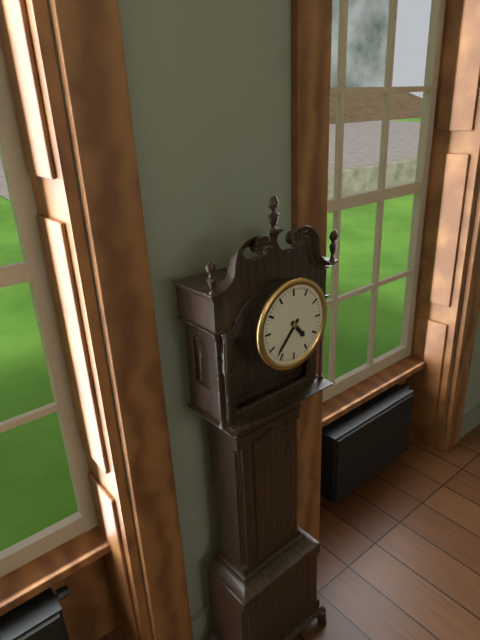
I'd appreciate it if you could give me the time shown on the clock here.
4:37
